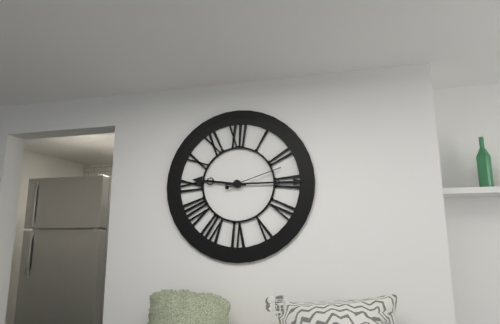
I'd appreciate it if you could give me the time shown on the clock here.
9:15:12
